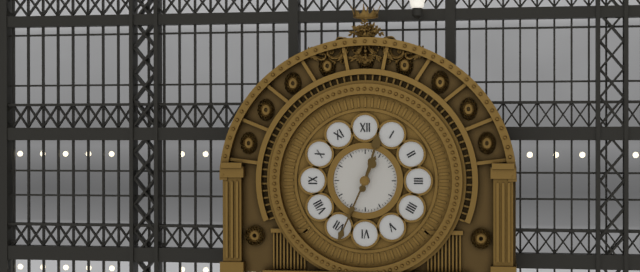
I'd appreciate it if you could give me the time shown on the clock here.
12:34
